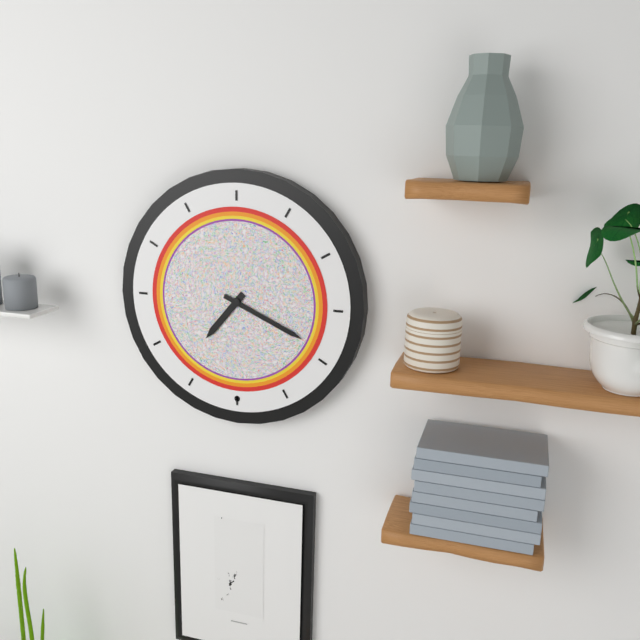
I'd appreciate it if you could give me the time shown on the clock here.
7:19
